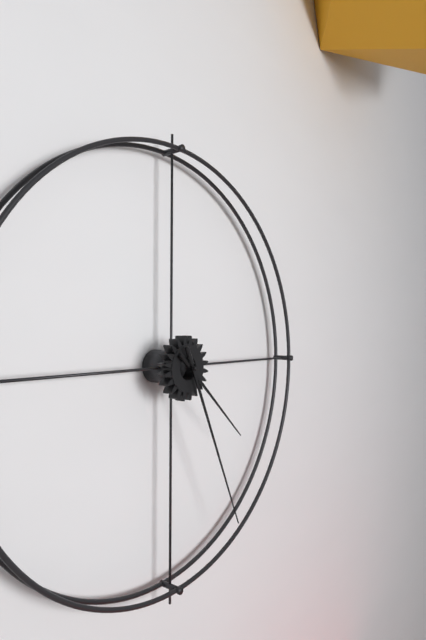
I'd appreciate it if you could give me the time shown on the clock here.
4:26
